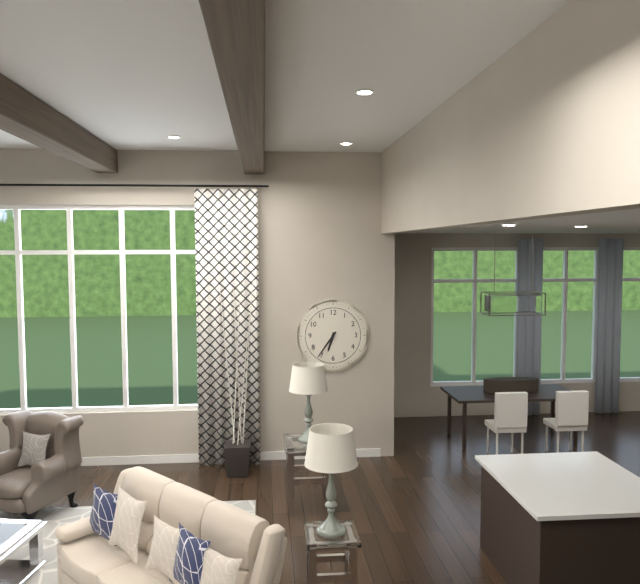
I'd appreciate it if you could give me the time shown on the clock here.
6:36
